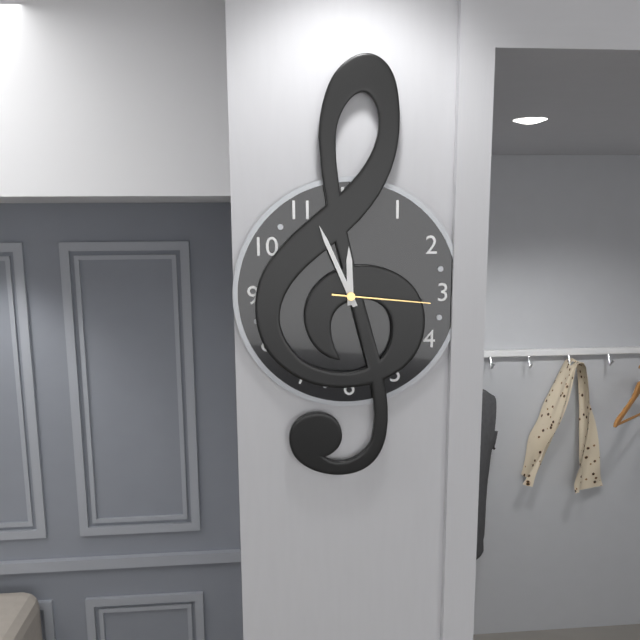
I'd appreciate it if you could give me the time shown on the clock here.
11:56:16
